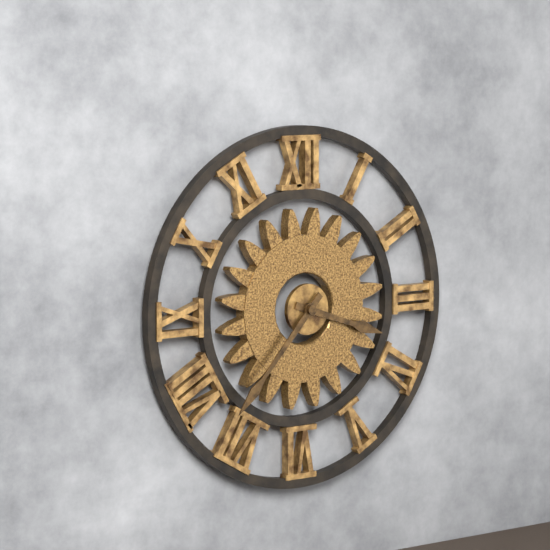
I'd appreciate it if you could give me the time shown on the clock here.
3:37
